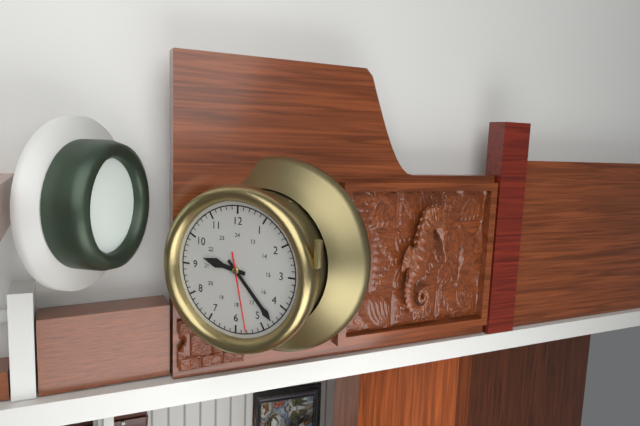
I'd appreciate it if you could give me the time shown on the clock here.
9:23:28
